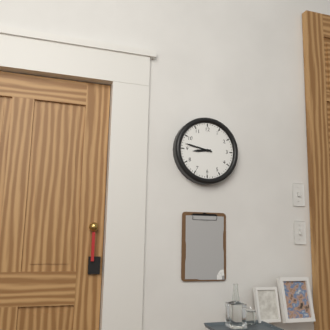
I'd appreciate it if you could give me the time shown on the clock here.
8:47
